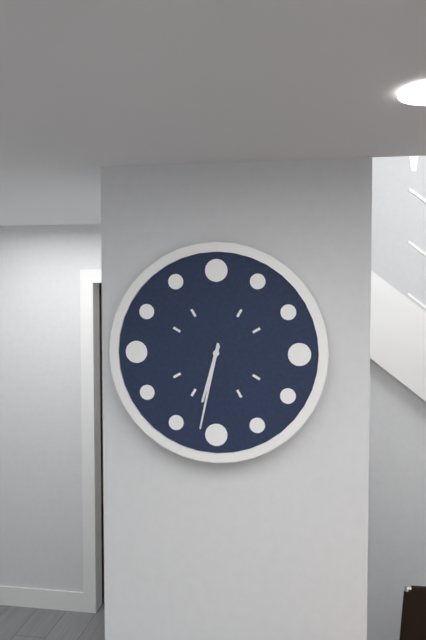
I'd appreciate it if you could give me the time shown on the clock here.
6:32
